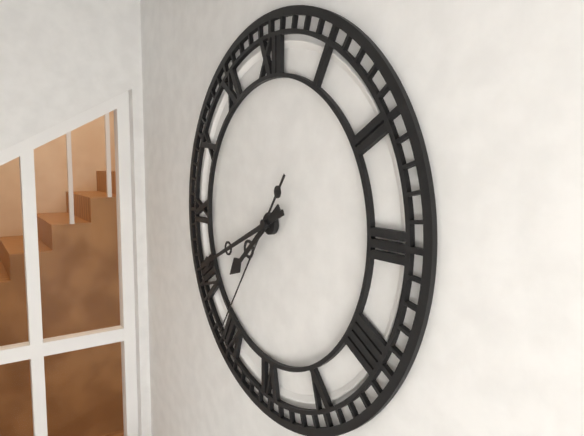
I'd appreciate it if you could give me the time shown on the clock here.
7:41:36
